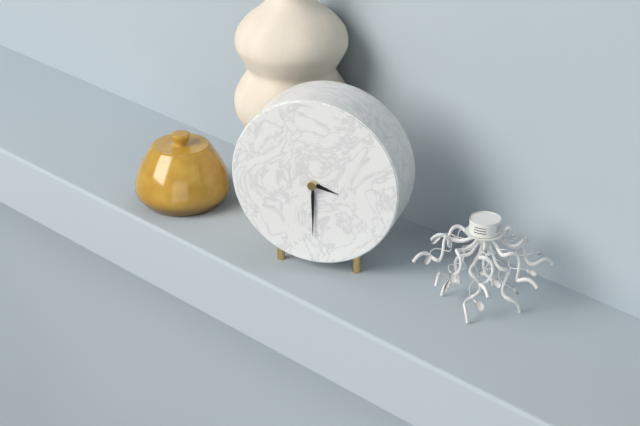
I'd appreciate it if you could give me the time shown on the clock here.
3:30
